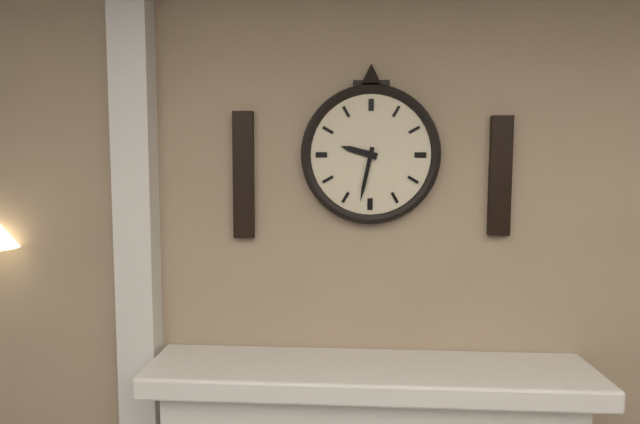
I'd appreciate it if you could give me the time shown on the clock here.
9:32
